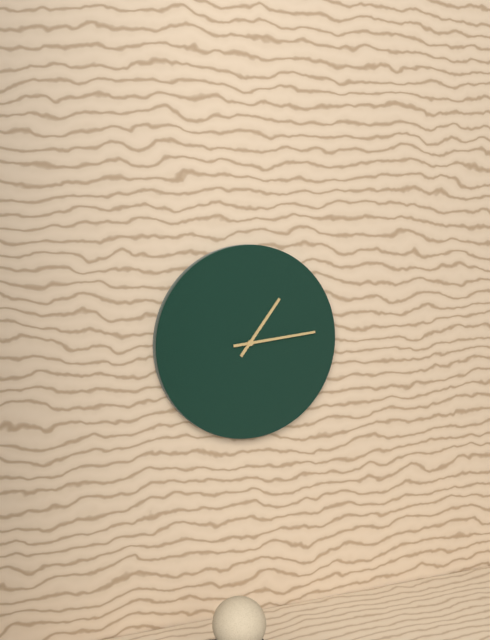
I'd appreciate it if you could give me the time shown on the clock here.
1:14
